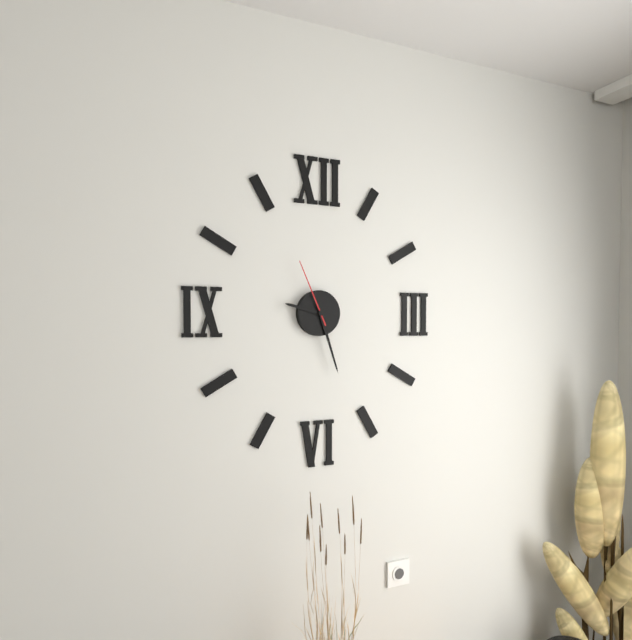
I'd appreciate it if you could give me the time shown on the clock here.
9:27:56
